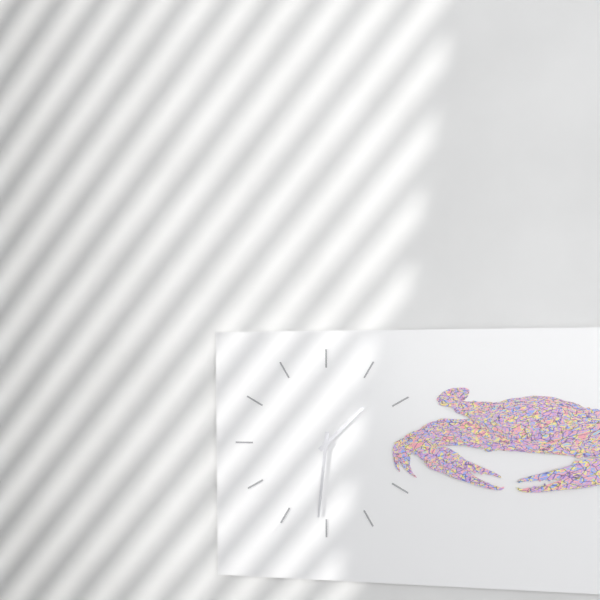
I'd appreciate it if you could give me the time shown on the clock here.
1:31
